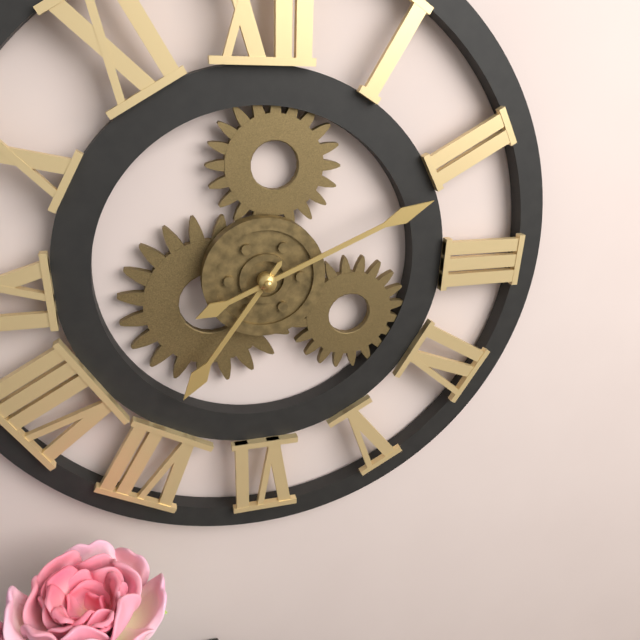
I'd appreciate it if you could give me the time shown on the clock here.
7:11
